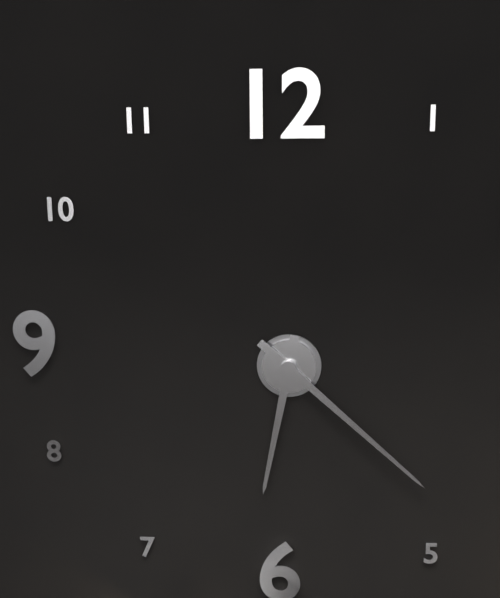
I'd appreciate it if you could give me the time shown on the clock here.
6:22
